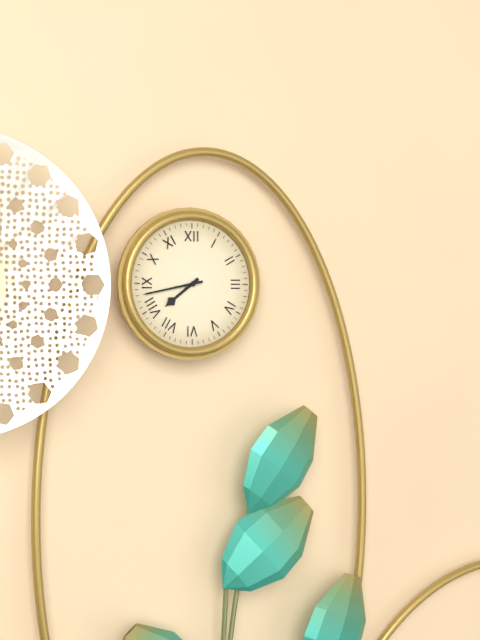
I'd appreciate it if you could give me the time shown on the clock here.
7:43
